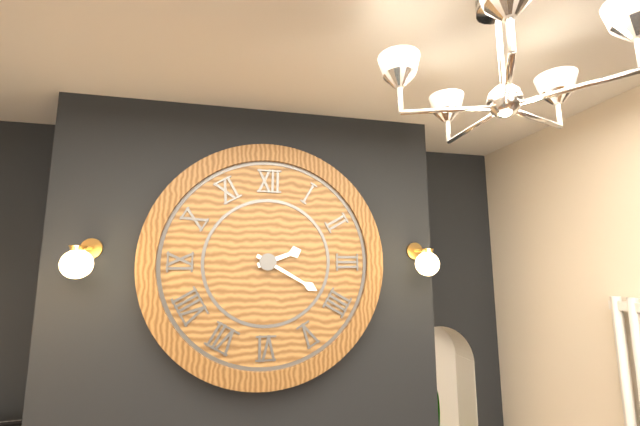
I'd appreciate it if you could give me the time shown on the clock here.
2:20
